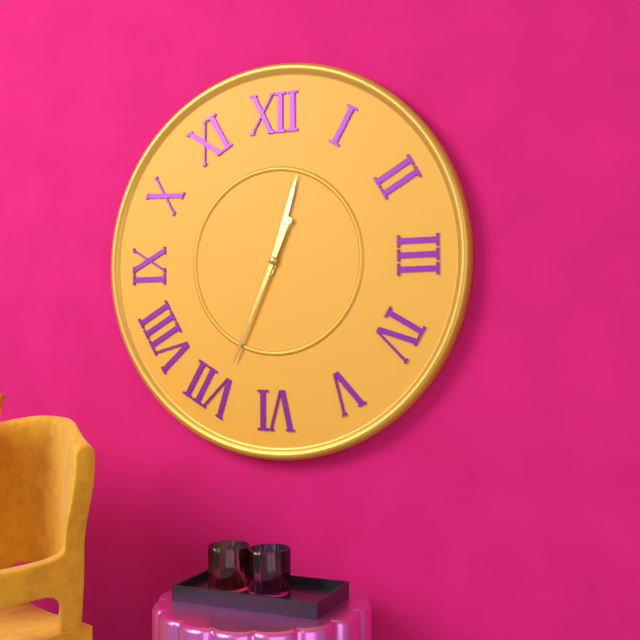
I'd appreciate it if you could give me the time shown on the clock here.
12:34
